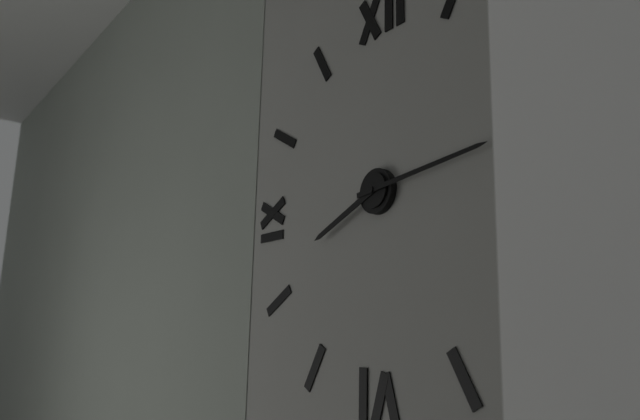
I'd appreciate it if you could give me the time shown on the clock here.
8:14
